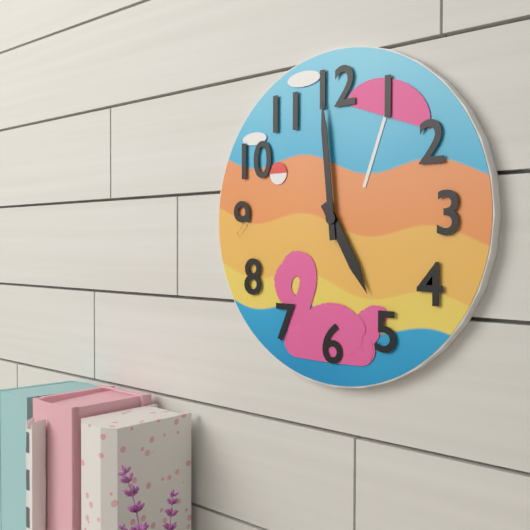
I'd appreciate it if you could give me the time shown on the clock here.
4:59
